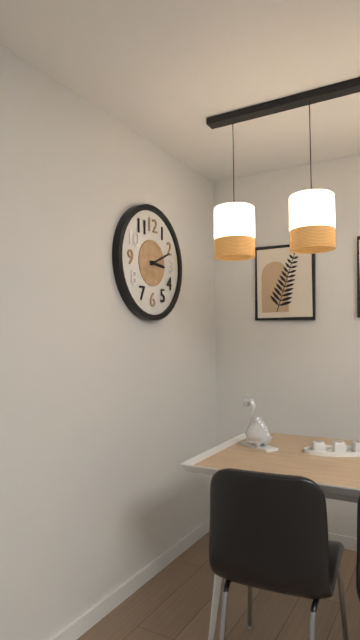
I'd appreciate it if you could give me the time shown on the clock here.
3:11
